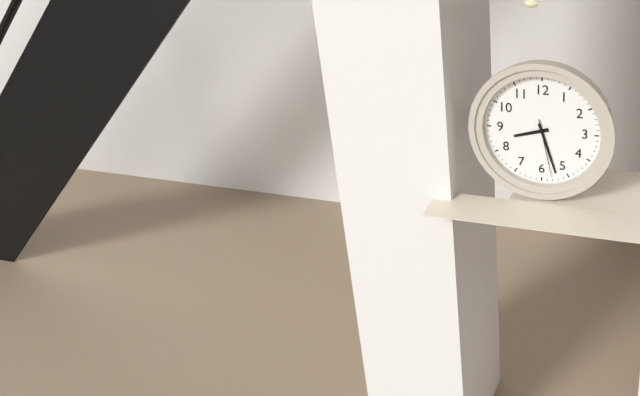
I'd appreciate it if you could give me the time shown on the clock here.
8:27:28
